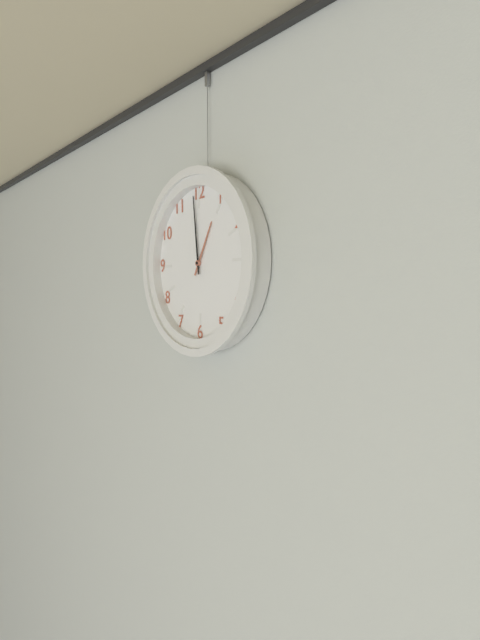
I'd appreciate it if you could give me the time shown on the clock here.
12:59
